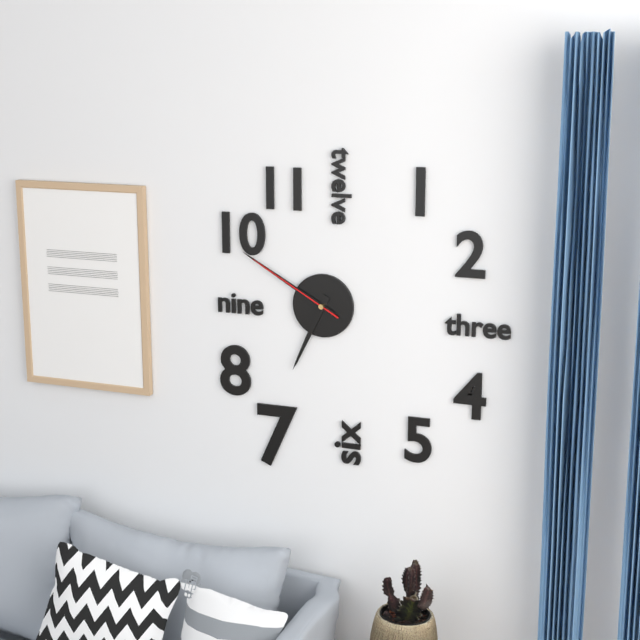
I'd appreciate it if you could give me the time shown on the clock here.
6:50:50
